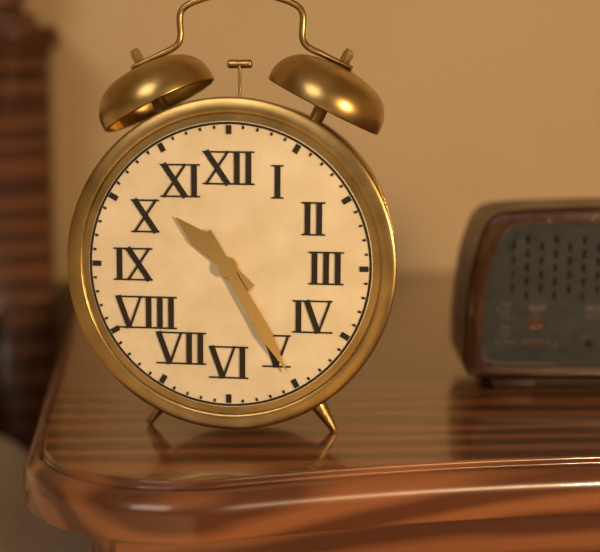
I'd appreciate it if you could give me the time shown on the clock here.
10:25
